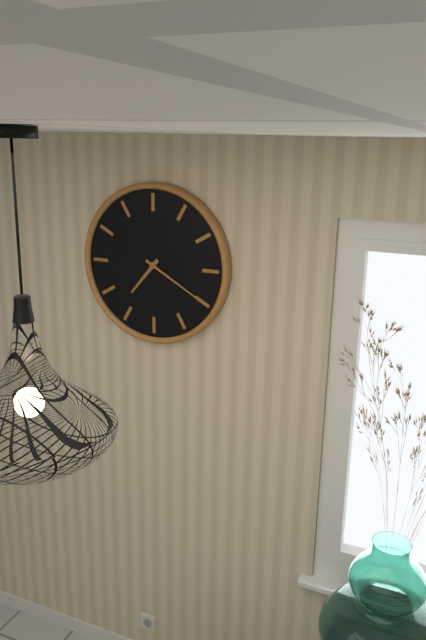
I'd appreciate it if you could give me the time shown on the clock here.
7:20
